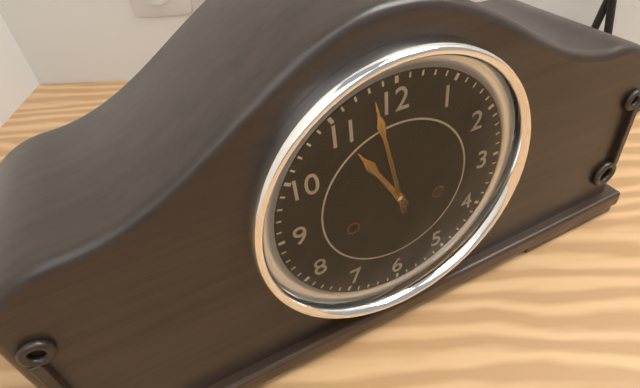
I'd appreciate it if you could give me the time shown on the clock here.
10:58
